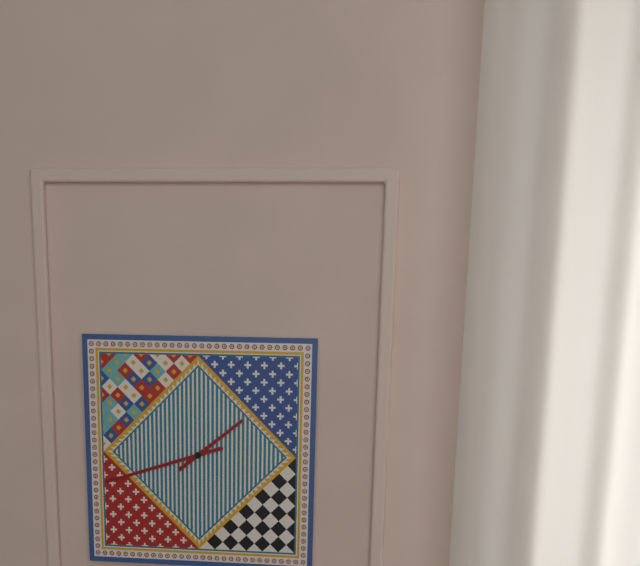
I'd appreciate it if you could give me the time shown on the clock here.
1:42
